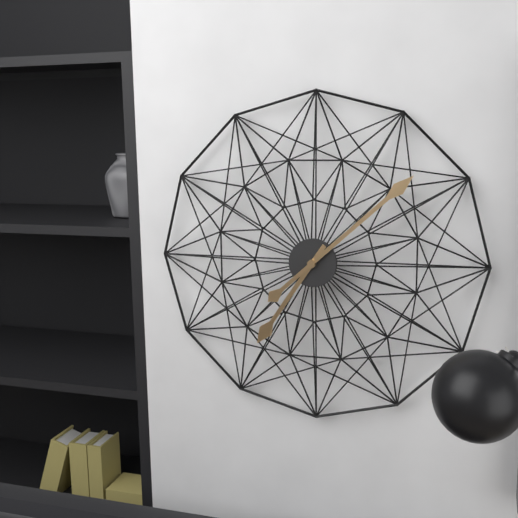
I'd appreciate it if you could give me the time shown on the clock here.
7:08
